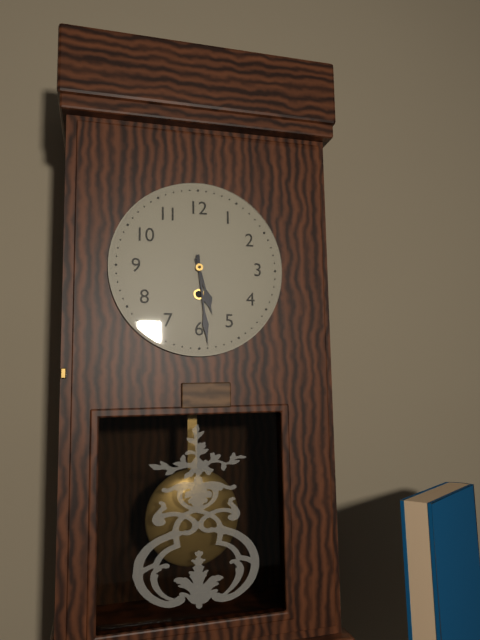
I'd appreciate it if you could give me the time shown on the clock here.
5:29
